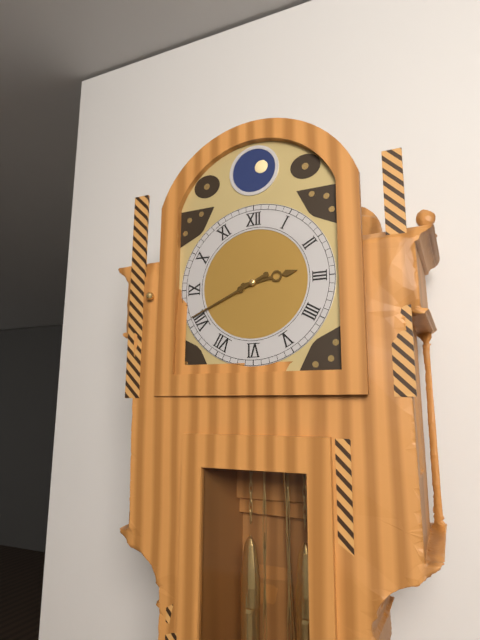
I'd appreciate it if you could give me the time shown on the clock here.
2:41
